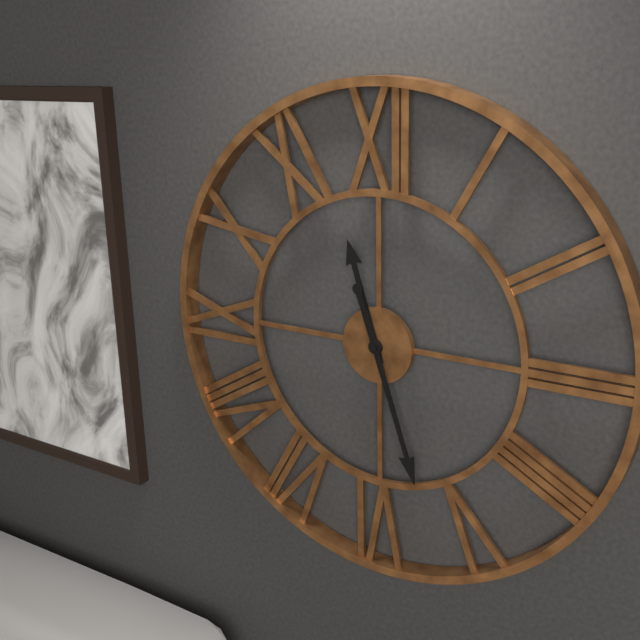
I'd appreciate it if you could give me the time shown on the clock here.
11:27
